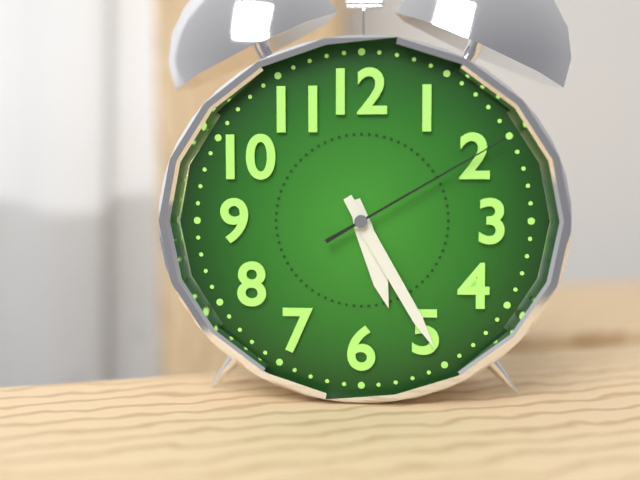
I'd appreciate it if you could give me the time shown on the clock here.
5:25:10
